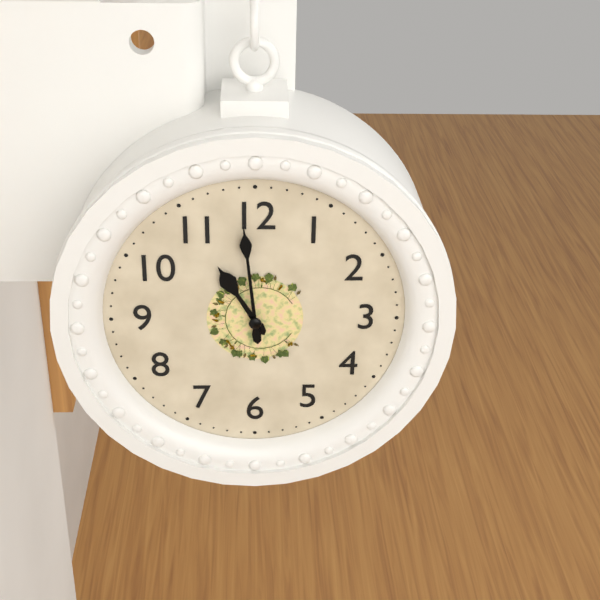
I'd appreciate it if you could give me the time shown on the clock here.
10:59
